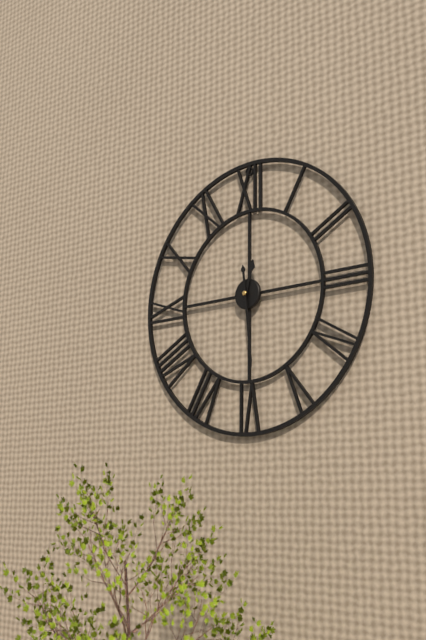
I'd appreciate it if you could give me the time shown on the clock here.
12:29
